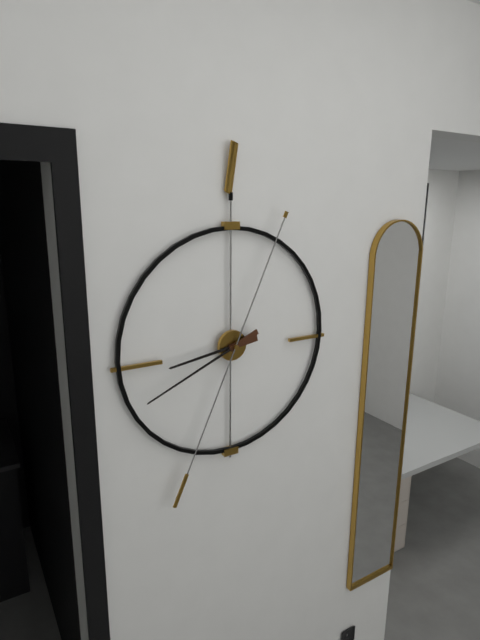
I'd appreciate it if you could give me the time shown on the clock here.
8:41:34
